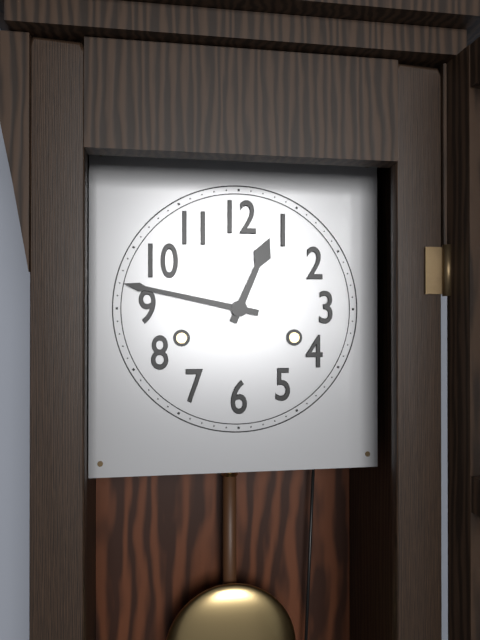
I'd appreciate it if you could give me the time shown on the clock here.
12:47
